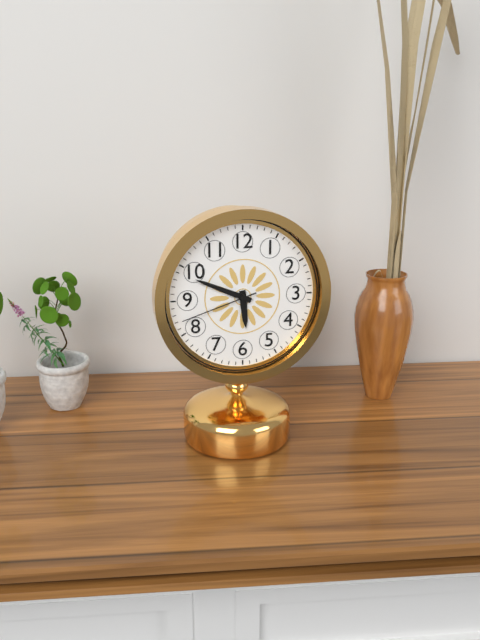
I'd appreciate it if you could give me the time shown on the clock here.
5:49:42
